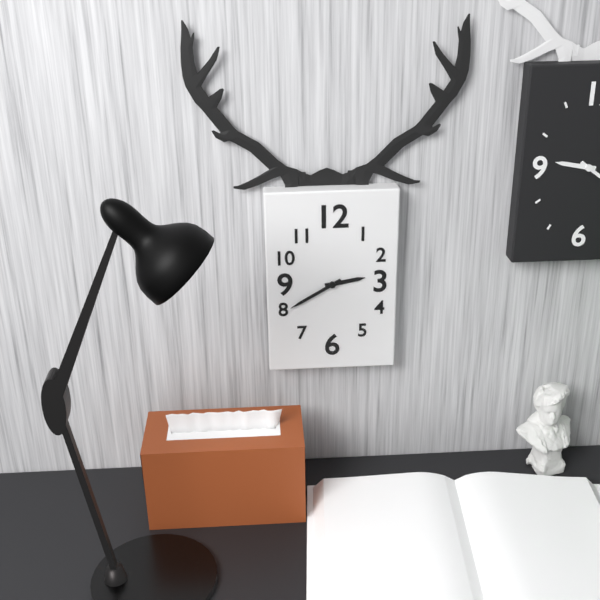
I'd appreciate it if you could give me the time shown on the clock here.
2:40
